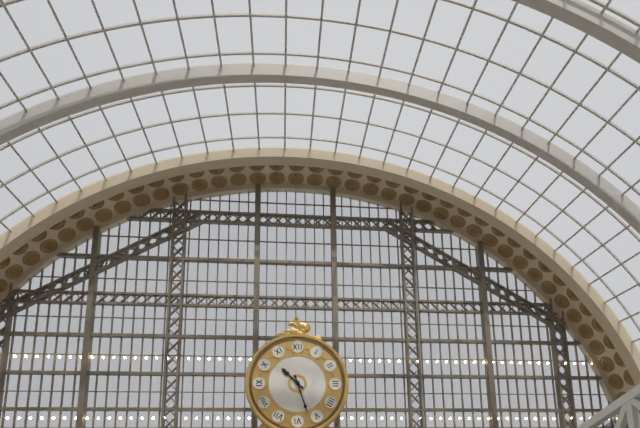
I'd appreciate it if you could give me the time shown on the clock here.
10:27
